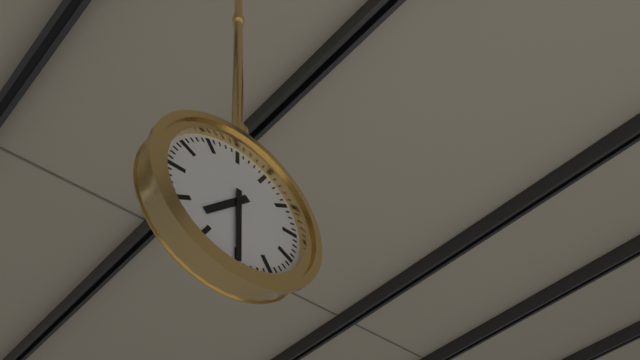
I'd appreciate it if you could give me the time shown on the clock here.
7:30
